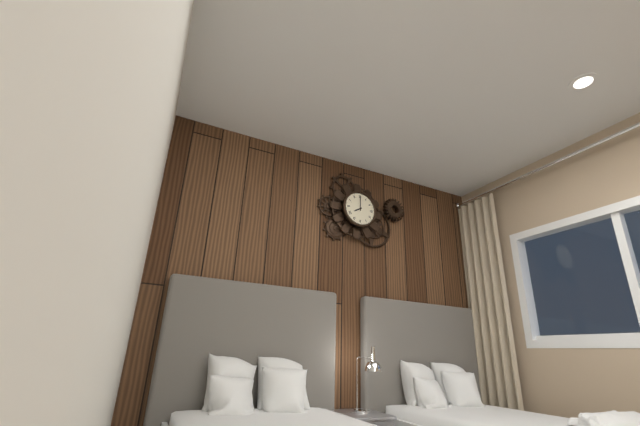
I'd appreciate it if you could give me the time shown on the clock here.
8:00
